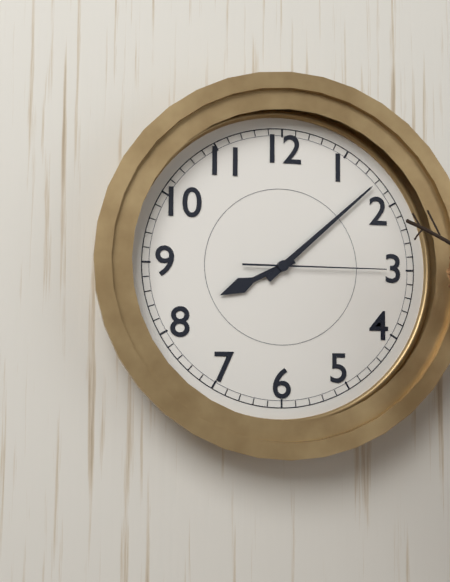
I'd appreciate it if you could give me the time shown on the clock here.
8:08:15
